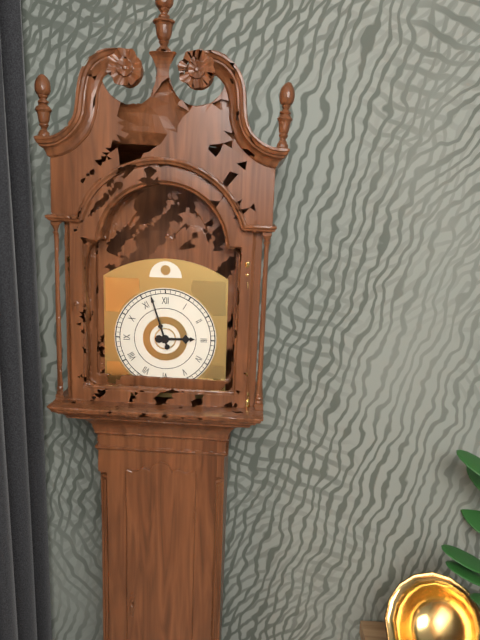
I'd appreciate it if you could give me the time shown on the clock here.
2:57
